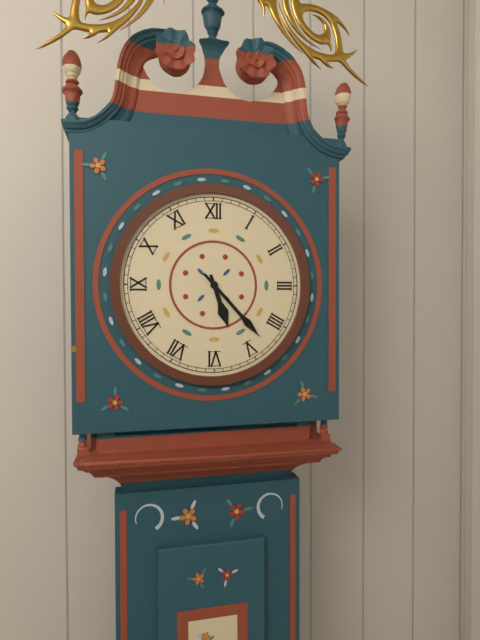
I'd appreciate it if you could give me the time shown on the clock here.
5:23
